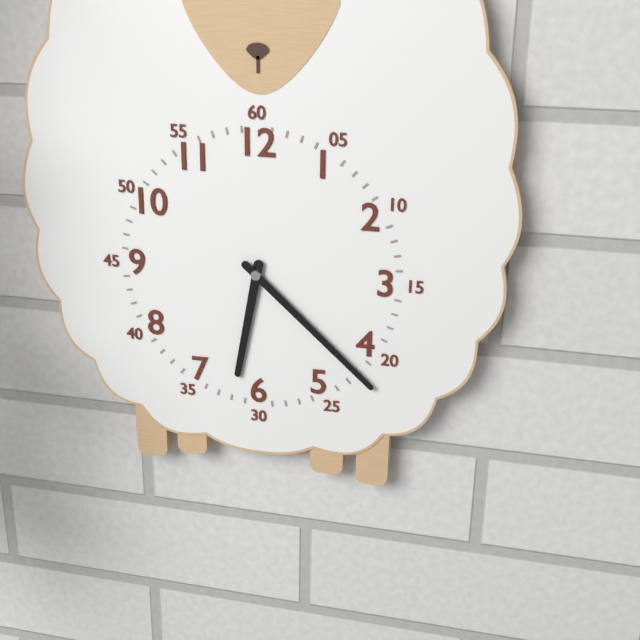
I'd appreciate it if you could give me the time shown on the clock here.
6:22
